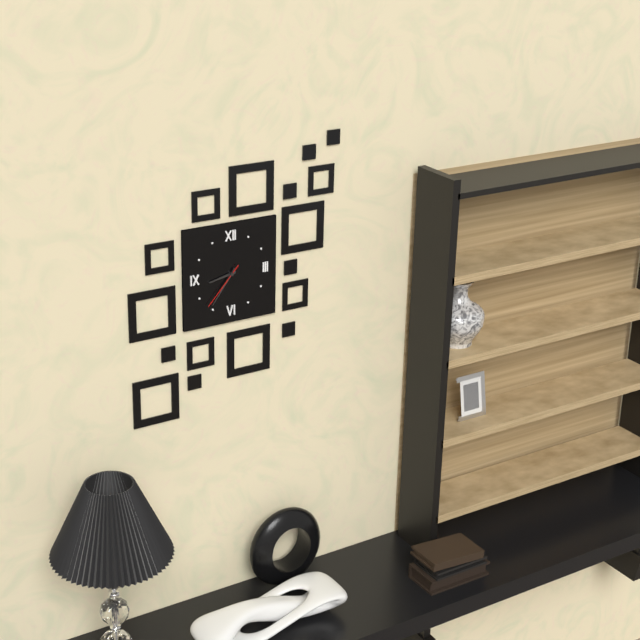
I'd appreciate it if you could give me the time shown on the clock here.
8:36:37
